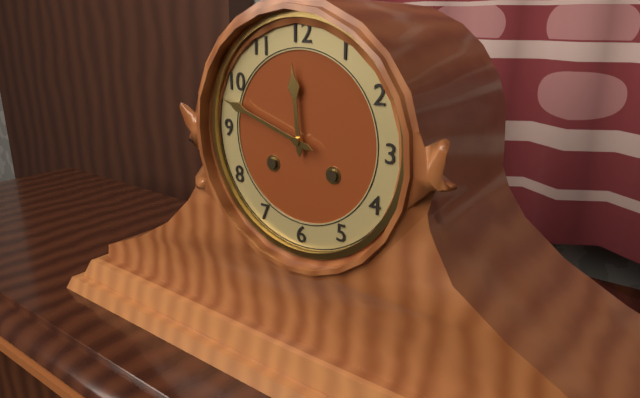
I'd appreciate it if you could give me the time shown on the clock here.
11:48
